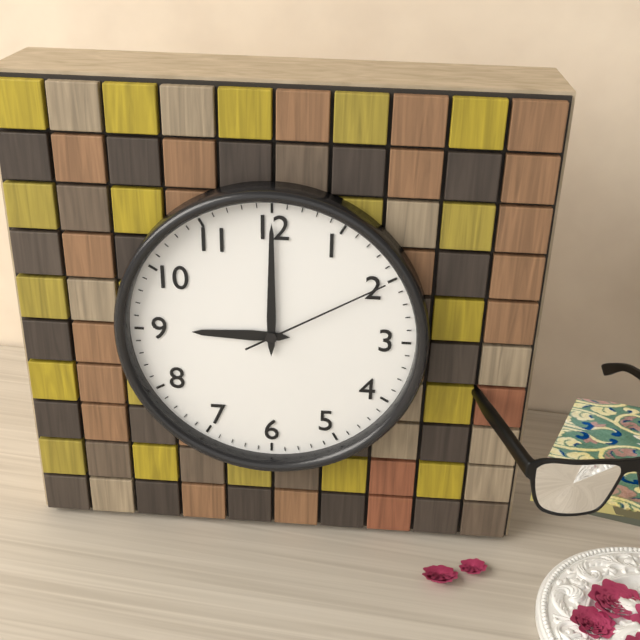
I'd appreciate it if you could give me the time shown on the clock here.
9:00:10
